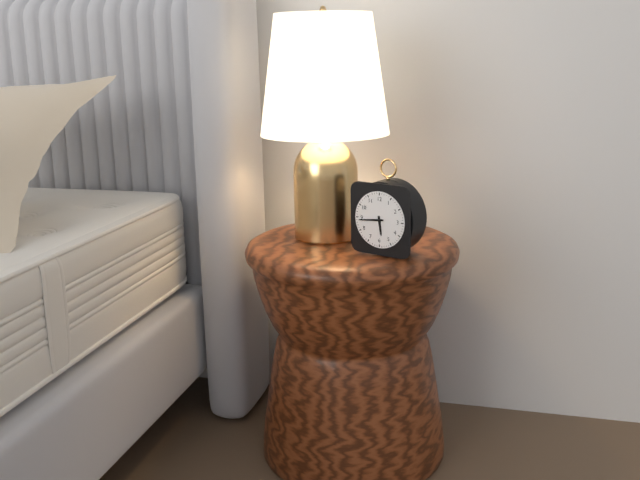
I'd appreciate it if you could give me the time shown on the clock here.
5:44
